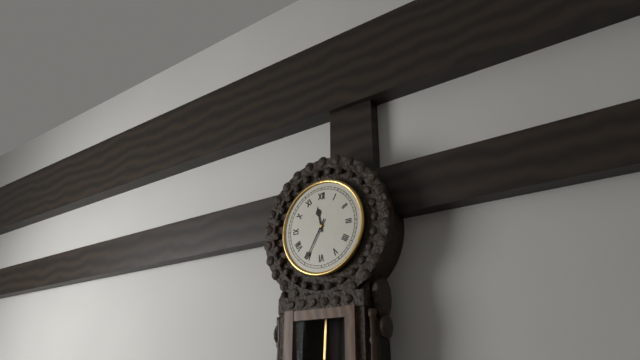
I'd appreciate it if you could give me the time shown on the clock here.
11:35
